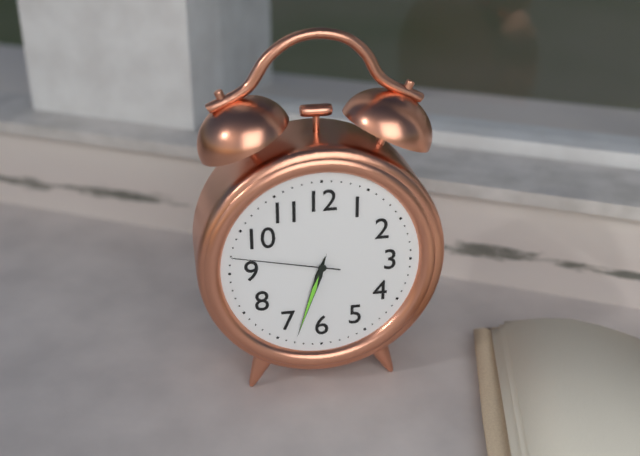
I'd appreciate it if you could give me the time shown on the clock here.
6:33:47
